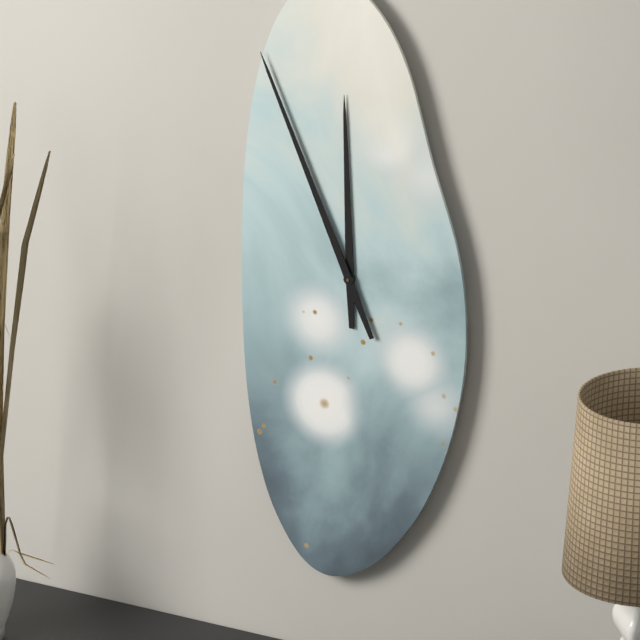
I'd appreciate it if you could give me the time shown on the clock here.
11:56
